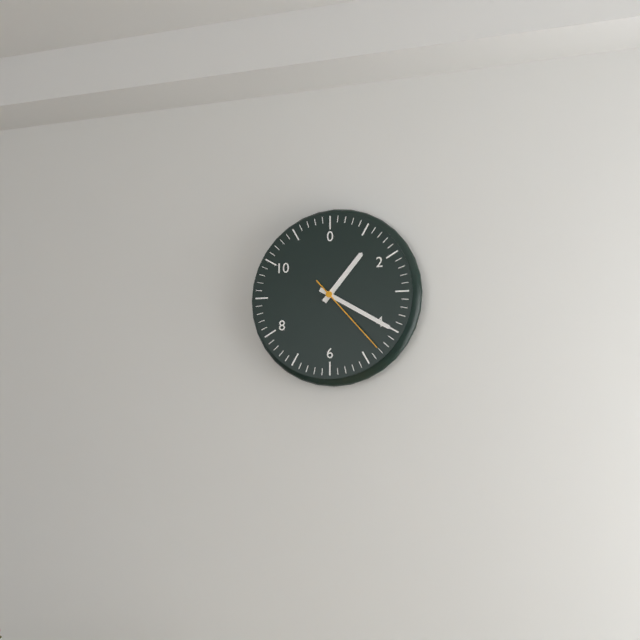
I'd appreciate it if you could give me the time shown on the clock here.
1:20:23
